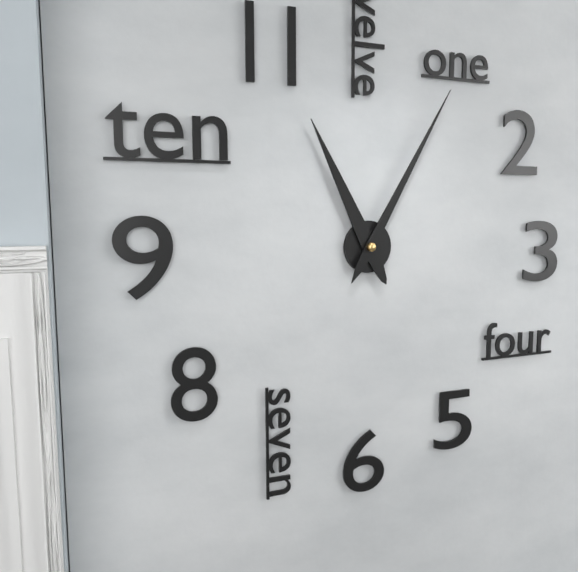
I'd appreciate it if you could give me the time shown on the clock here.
11:05
